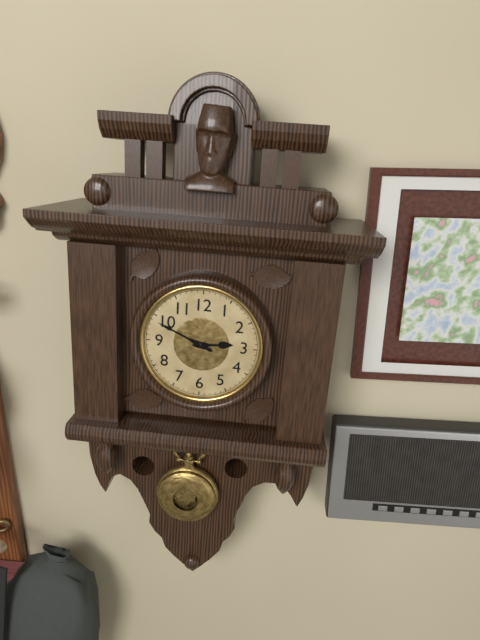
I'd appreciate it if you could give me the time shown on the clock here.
2:49
